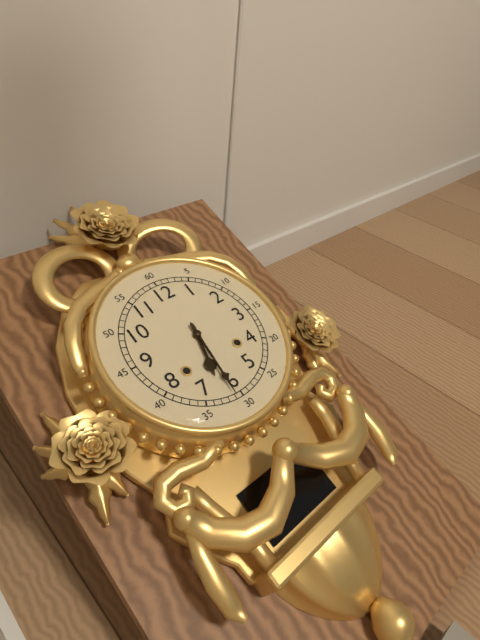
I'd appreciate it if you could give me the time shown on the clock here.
6:31
